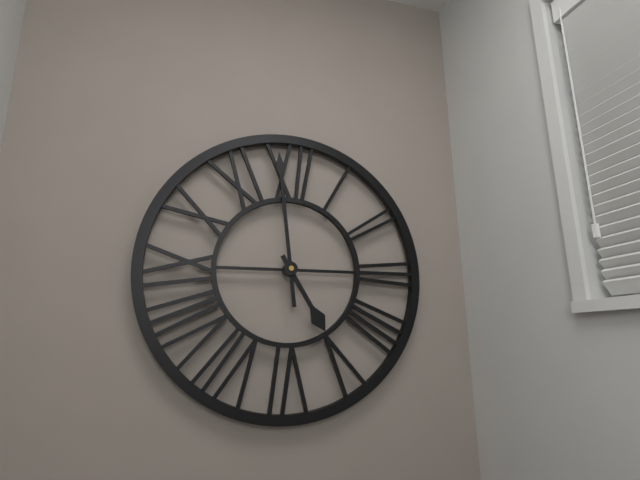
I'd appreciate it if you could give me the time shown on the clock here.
4:59
